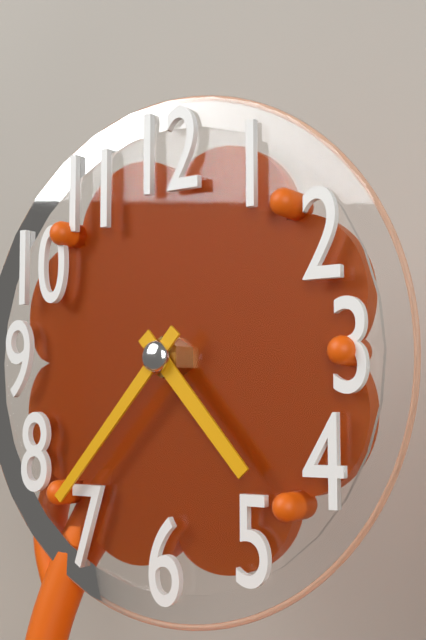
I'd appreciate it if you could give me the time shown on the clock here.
4:37
